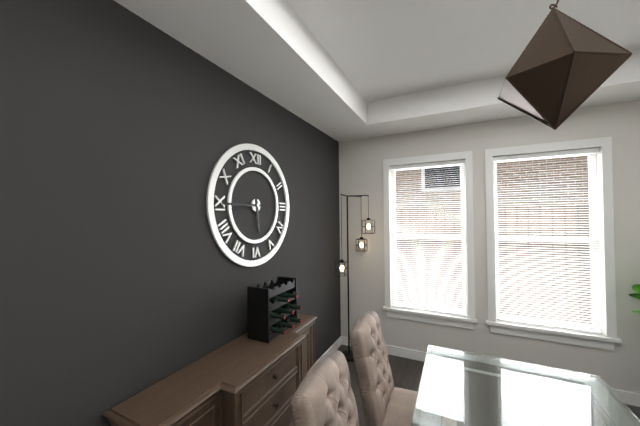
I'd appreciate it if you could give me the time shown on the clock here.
5:45
